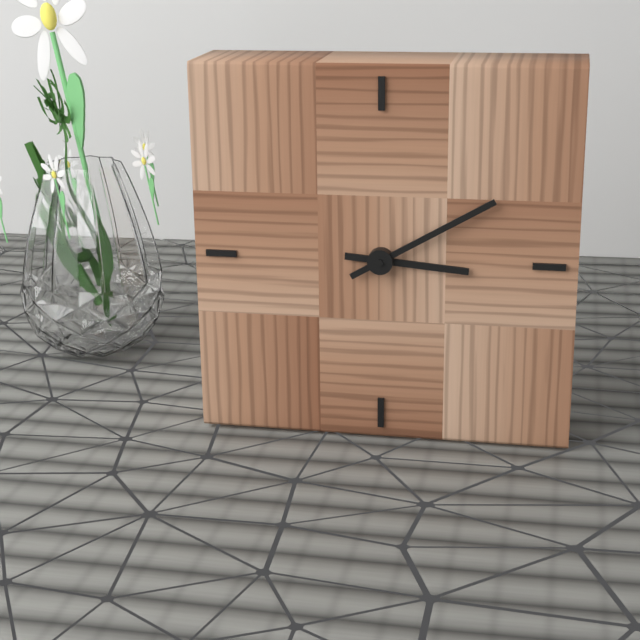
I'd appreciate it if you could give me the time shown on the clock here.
3:10
